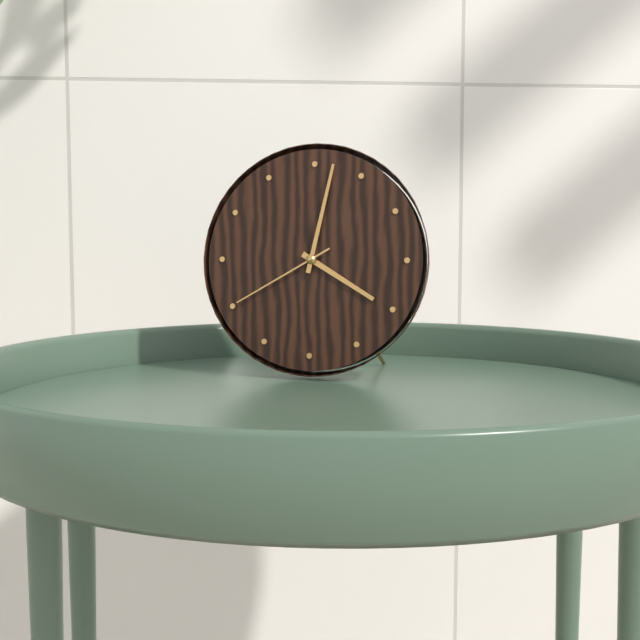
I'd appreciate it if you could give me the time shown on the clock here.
4:02:40
